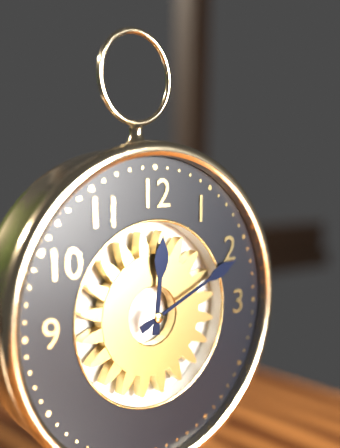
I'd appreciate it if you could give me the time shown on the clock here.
12:11
